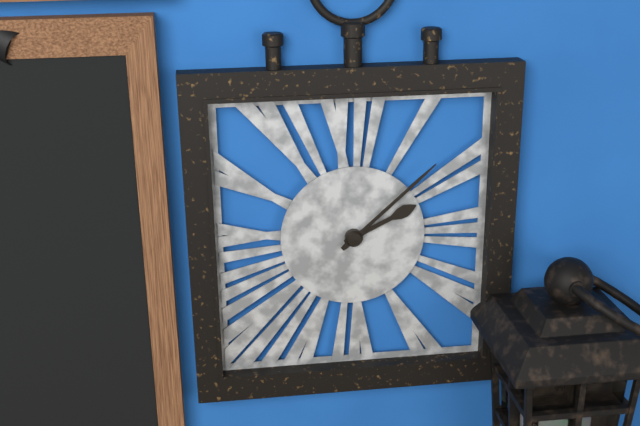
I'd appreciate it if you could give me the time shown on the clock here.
2:08
